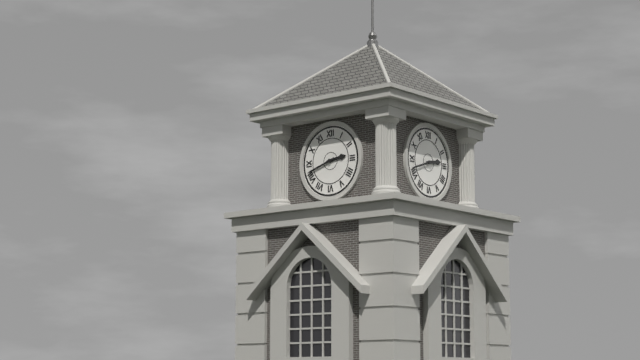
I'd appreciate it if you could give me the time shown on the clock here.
2:42
